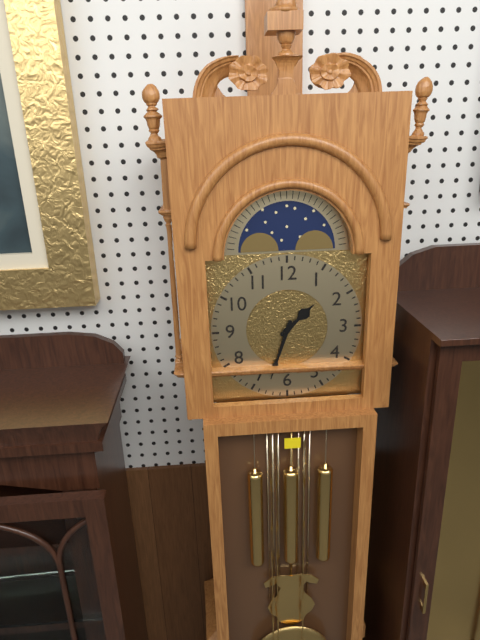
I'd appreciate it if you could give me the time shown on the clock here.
1:33
